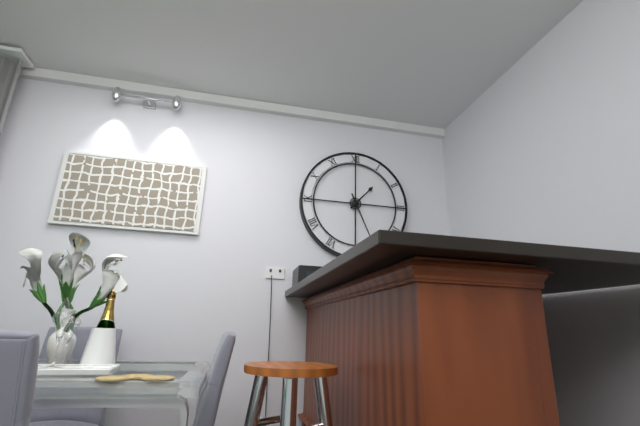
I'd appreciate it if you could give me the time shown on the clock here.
1:26
